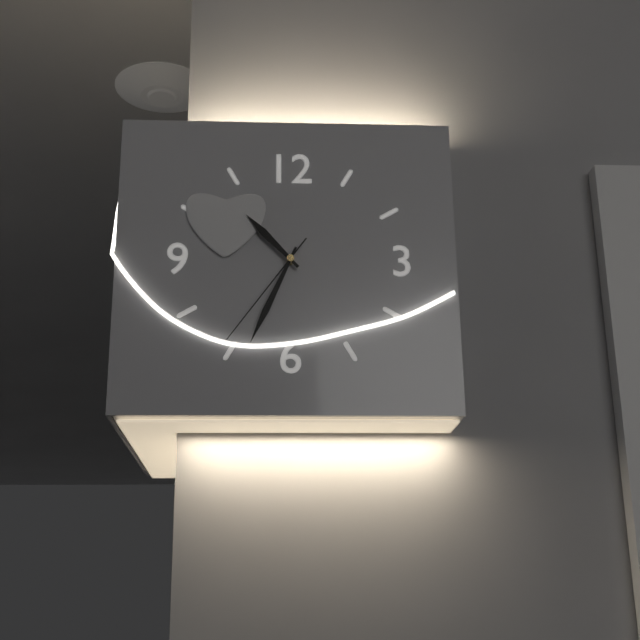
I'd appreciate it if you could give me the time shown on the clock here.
10:34:36
